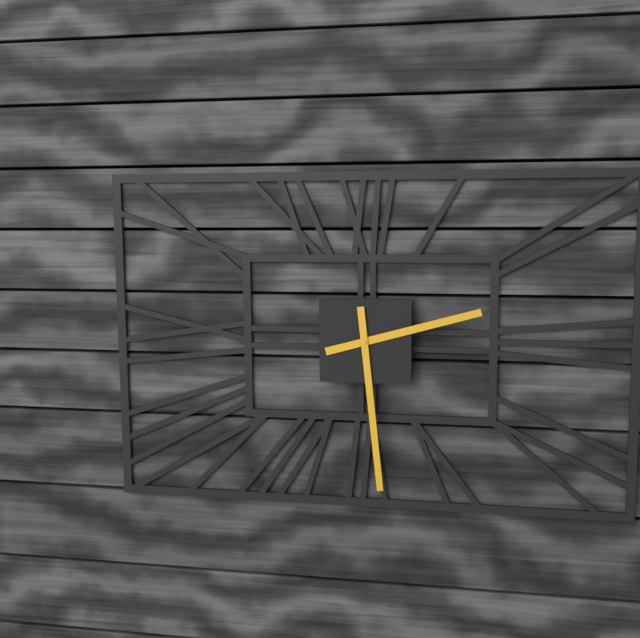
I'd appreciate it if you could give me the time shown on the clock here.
2:29
